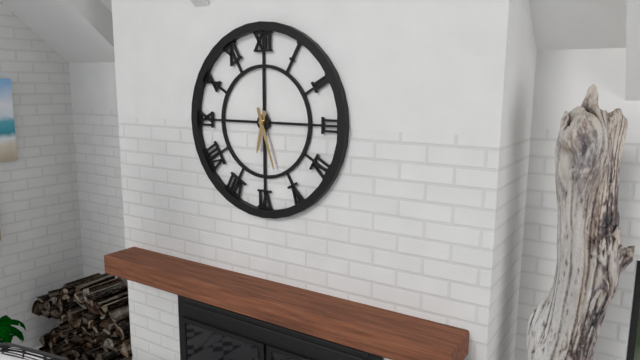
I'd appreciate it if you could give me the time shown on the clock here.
6:27
